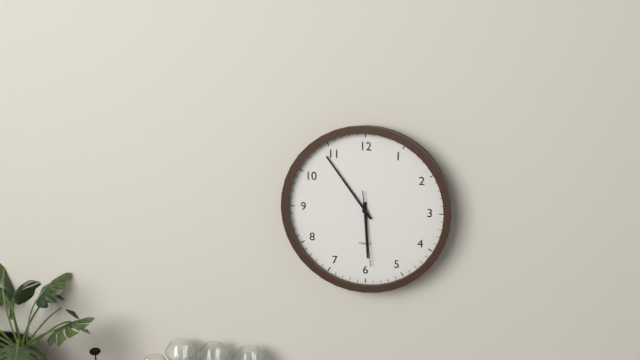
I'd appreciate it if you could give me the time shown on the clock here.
5:54:29
